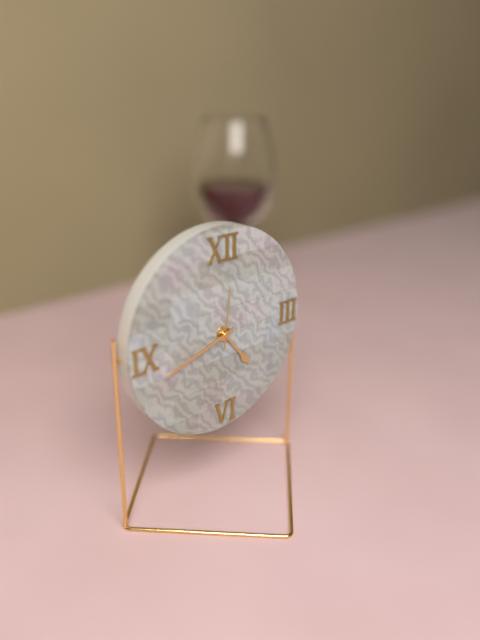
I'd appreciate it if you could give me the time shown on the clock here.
4:42:01
